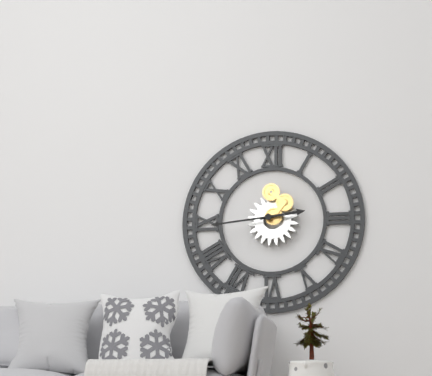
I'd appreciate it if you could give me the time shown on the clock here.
2:44
